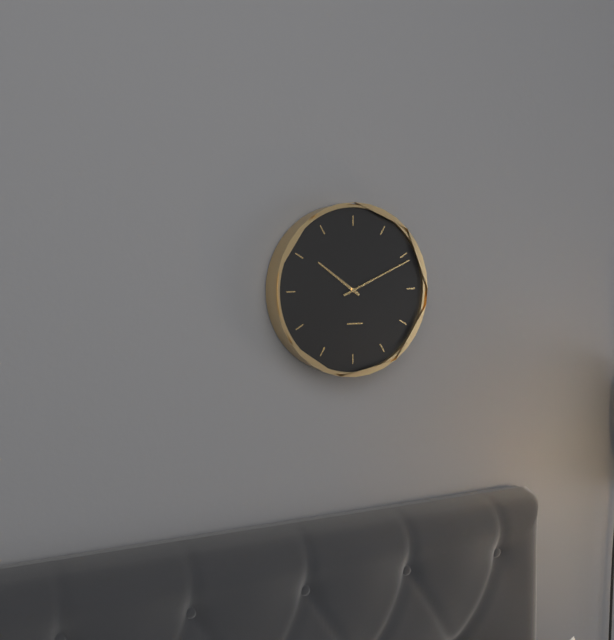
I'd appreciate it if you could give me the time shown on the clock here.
10:11
